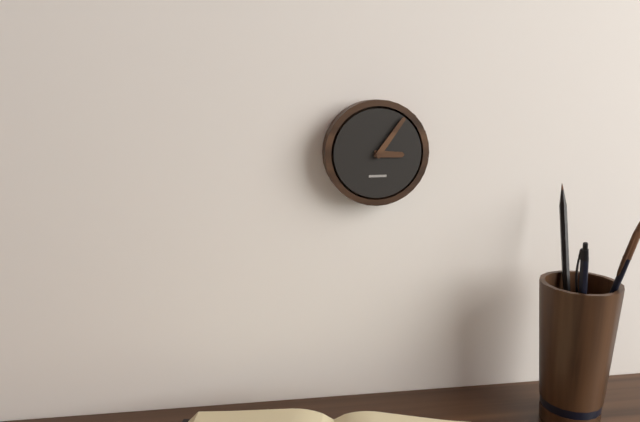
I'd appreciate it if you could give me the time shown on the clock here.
3:06
